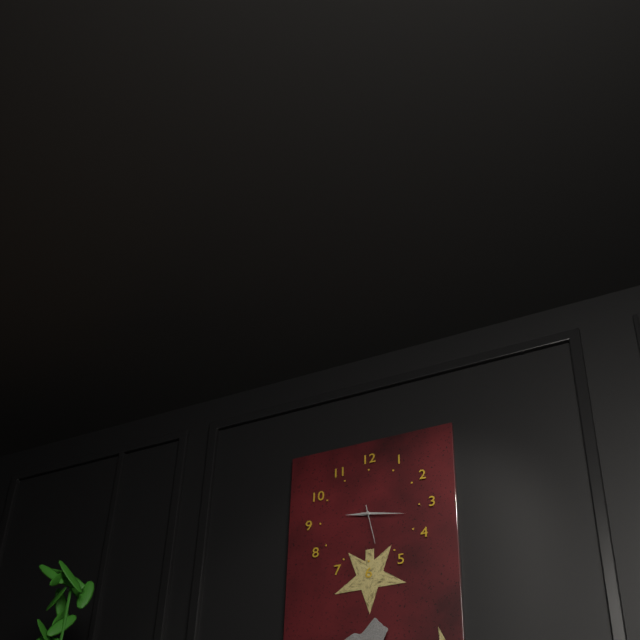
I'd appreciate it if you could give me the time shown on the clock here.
9:17
